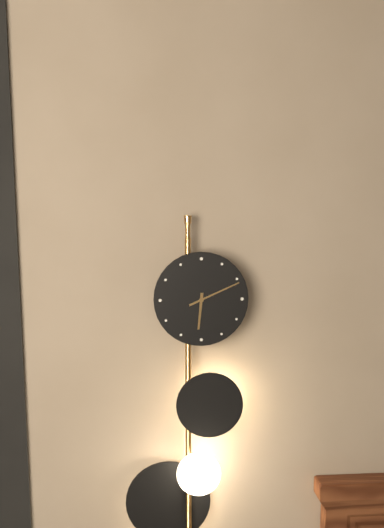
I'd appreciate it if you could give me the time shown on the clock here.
6:11
